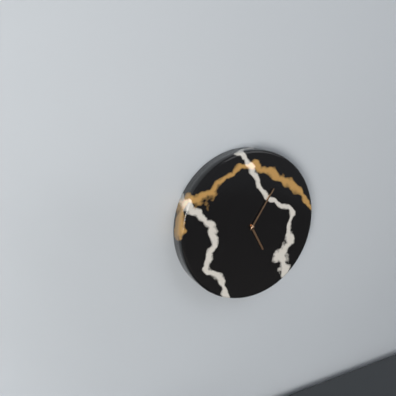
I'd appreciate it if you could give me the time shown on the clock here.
5:06
